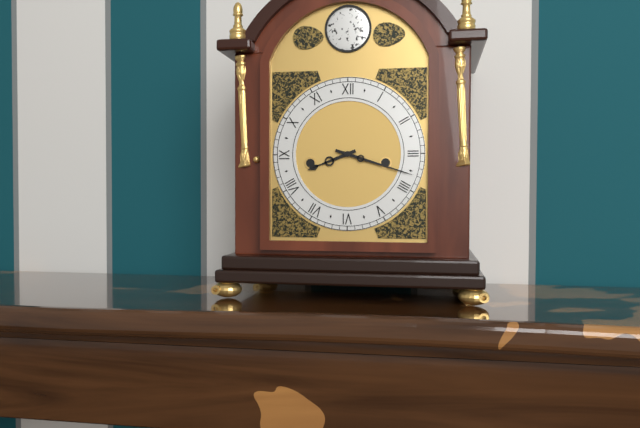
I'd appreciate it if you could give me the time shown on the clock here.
8:18
